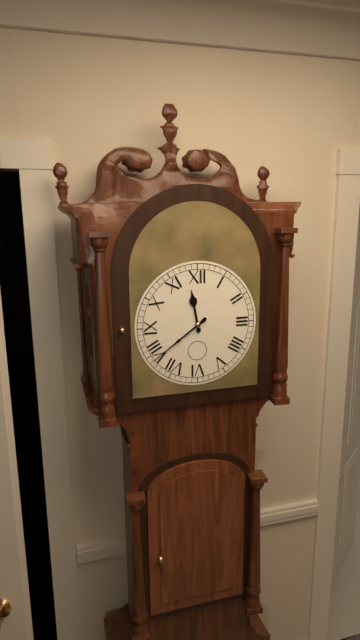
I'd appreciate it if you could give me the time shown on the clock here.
11:39
